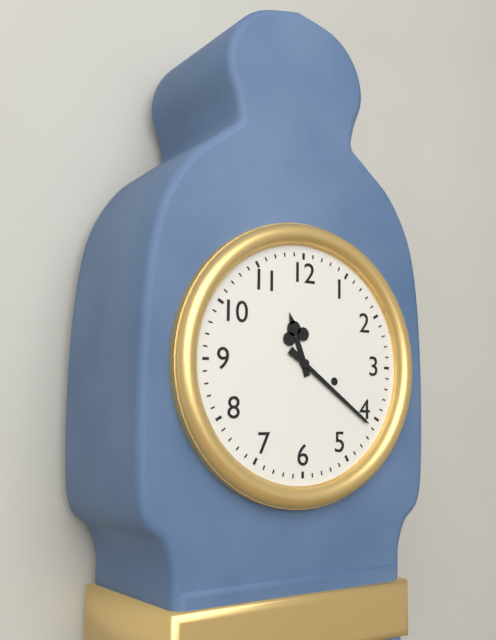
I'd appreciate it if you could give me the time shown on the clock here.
11:21
